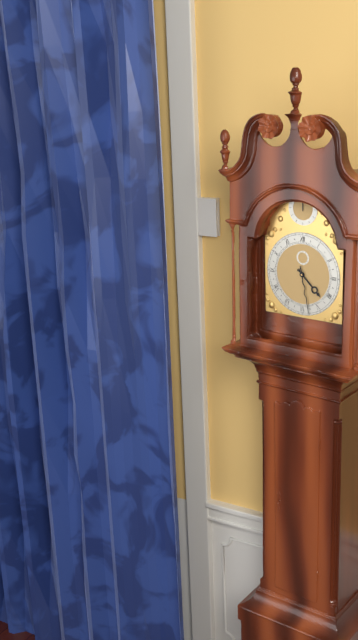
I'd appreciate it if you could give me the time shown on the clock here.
4:28
